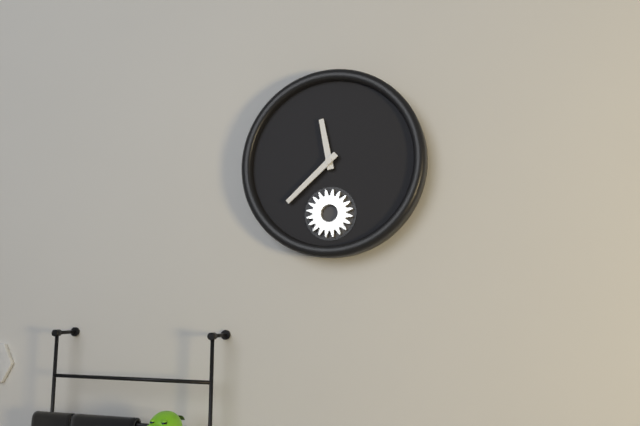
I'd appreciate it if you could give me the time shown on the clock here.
11:38
